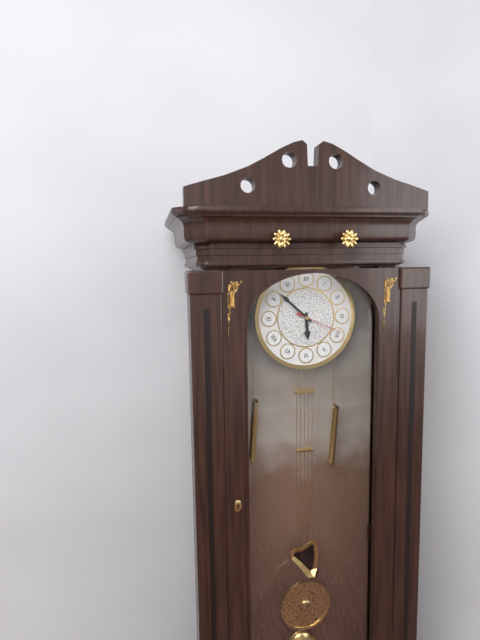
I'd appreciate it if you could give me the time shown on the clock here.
5:52
